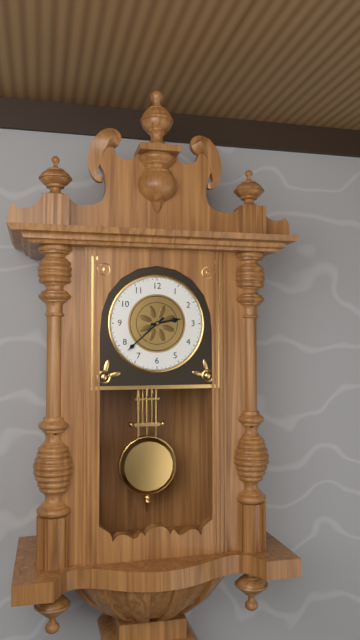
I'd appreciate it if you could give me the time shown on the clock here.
2:38
